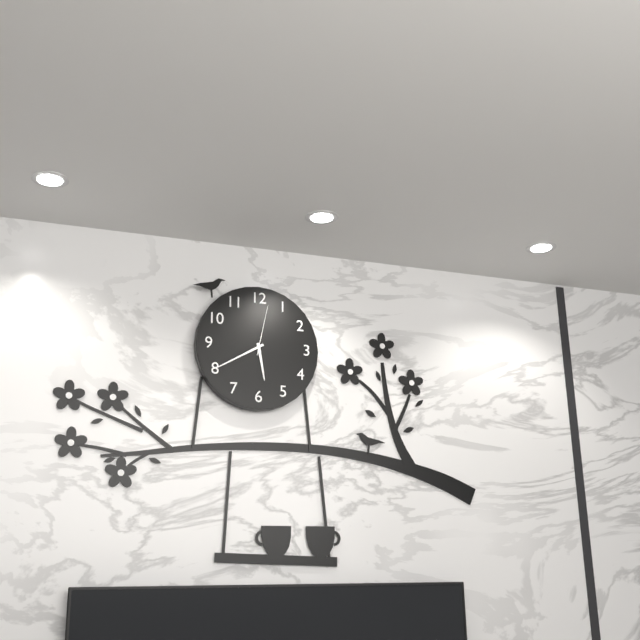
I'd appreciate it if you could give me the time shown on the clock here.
5:40:02
